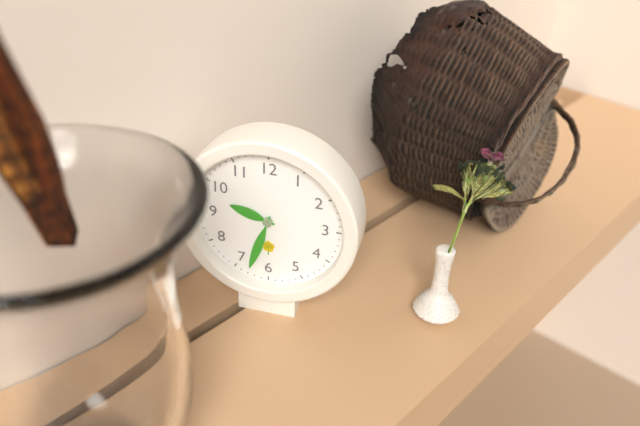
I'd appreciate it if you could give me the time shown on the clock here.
9:33
